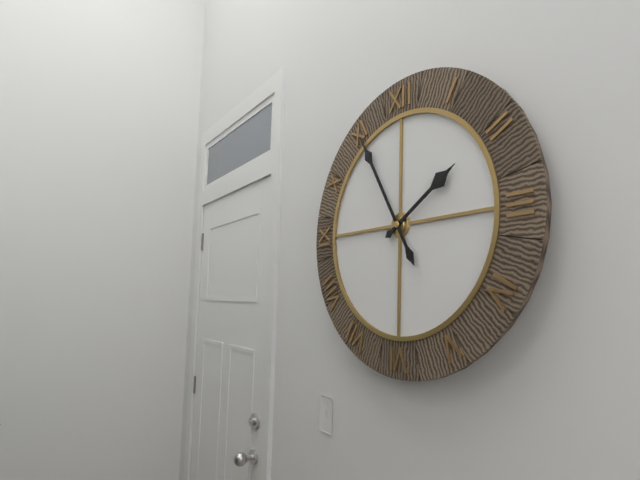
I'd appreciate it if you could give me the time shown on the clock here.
1:55
